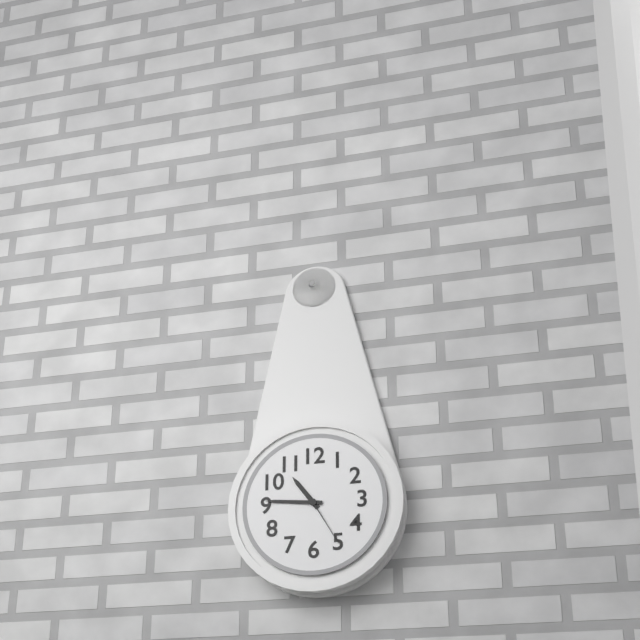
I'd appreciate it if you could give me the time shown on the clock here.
10:46:25
